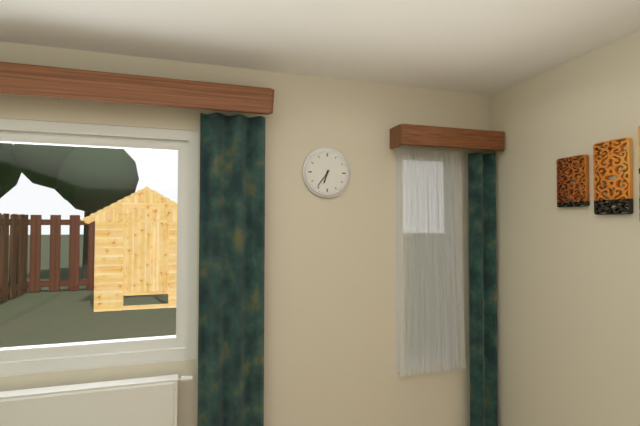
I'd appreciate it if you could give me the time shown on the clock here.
6:36
